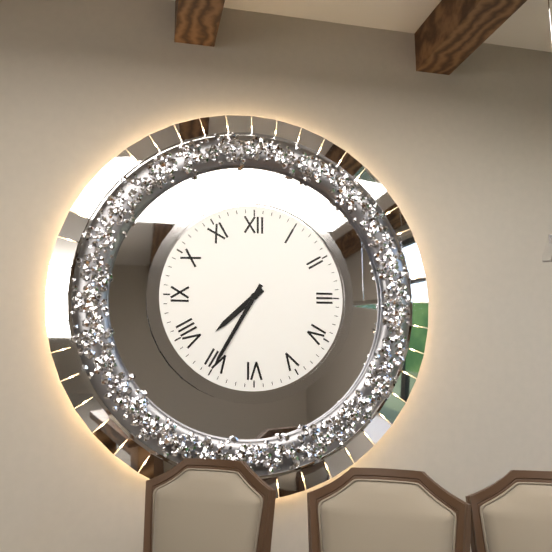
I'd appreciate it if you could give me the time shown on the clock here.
7:35
